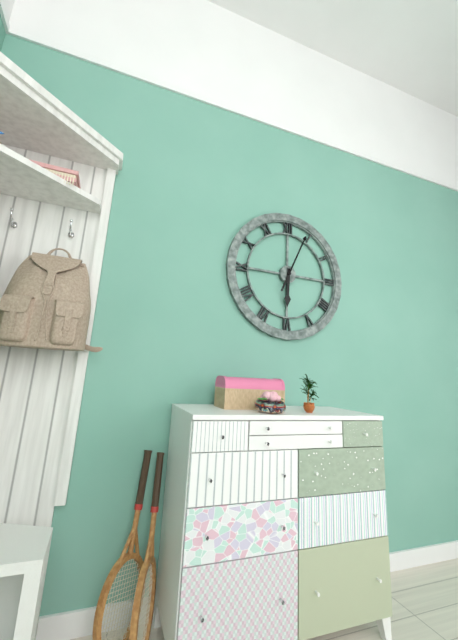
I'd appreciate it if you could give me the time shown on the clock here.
6:04
